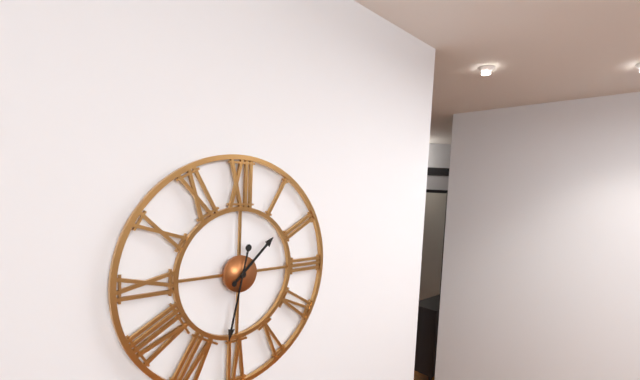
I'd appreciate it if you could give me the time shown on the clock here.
1:32
